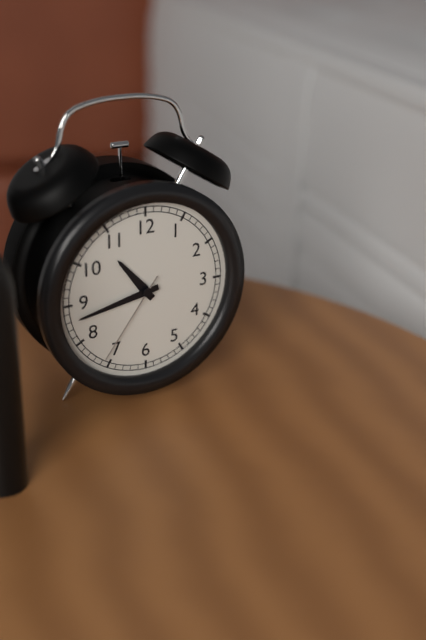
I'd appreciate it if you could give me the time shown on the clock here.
10:43:36
